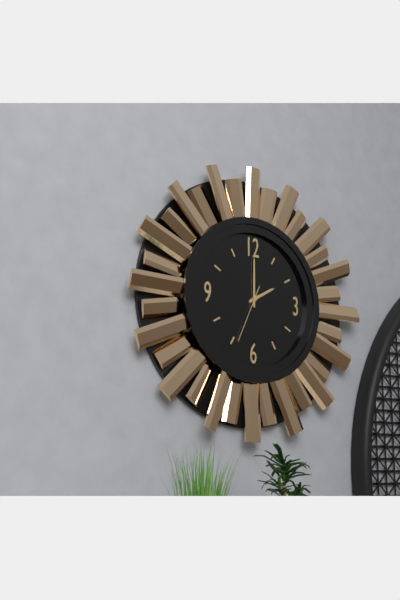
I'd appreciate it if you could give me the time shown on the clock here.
2:00:34
